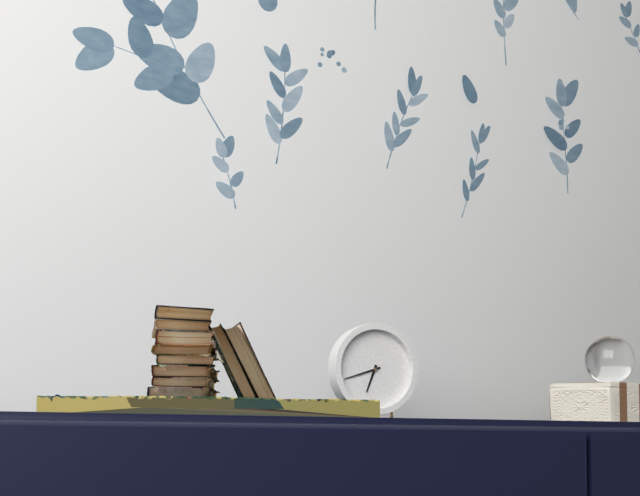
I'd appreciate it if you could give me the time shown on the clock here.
6:42
